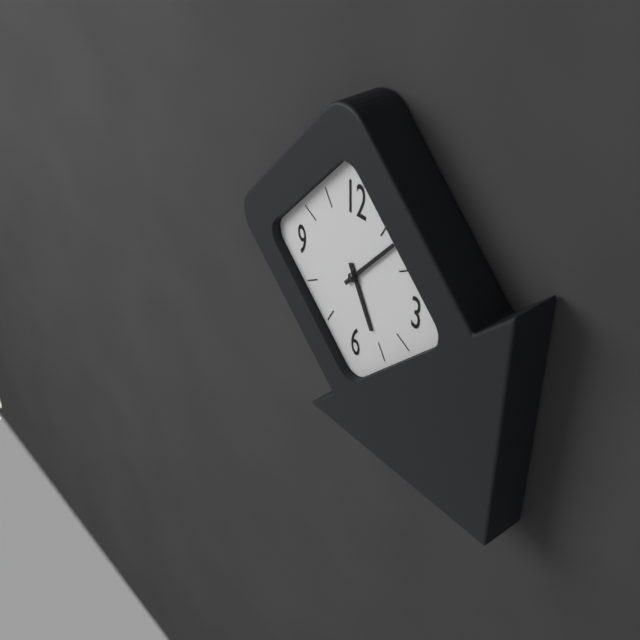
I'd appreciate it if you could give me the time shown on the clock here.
5:07
